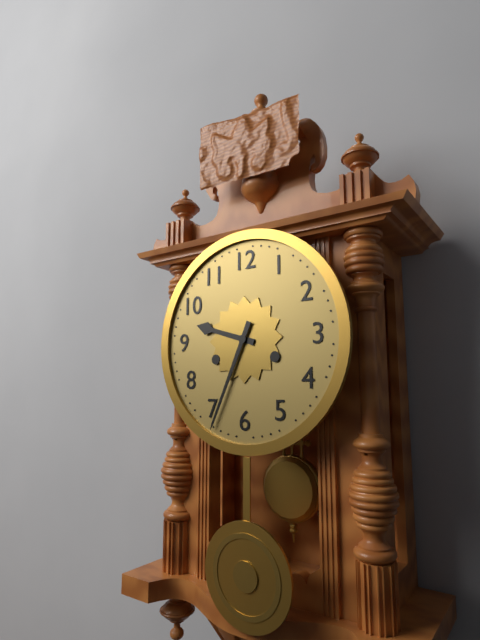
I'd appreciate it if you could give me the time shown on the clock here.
9:34
